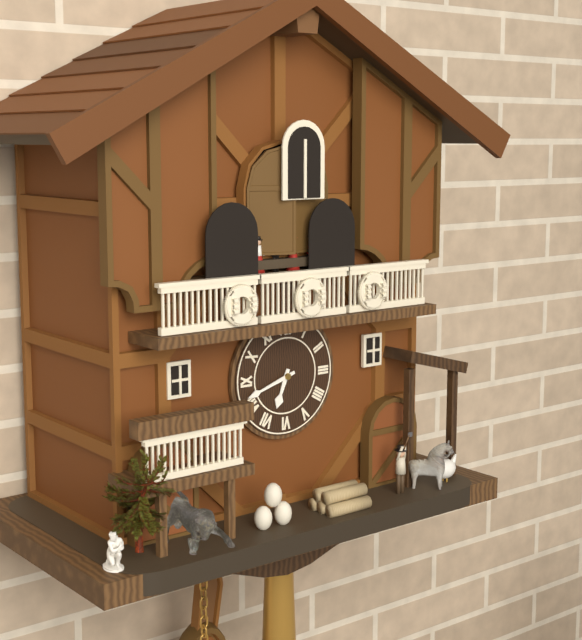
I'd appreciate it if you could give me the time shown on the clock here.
6:42
